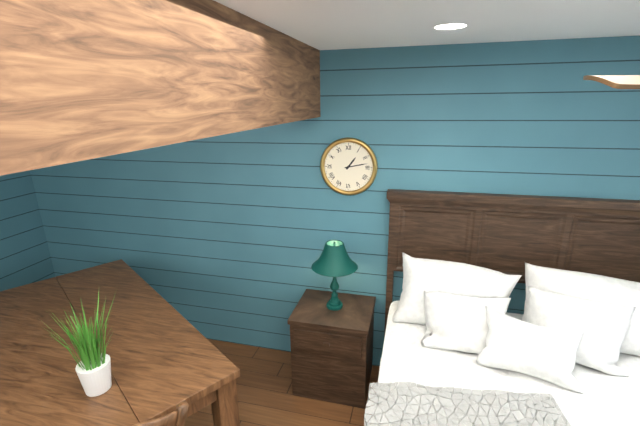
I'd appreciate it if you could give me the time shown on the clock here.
1:13
